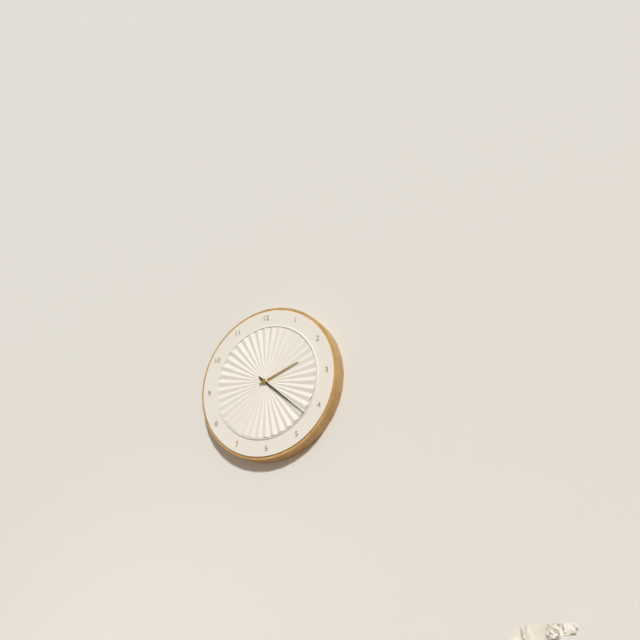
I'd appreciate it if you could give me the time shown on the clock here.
2:22
